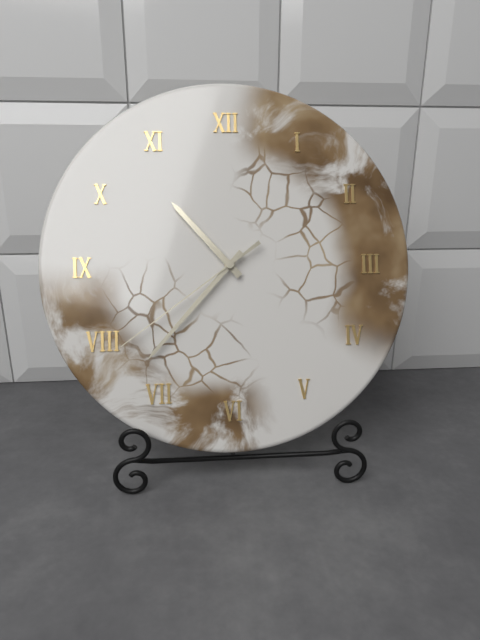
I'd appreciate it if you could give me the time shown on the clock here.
10:37:39
